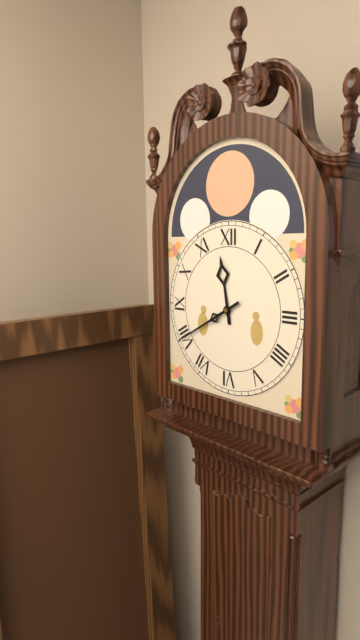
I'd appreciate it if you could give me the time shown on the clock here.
11:40
